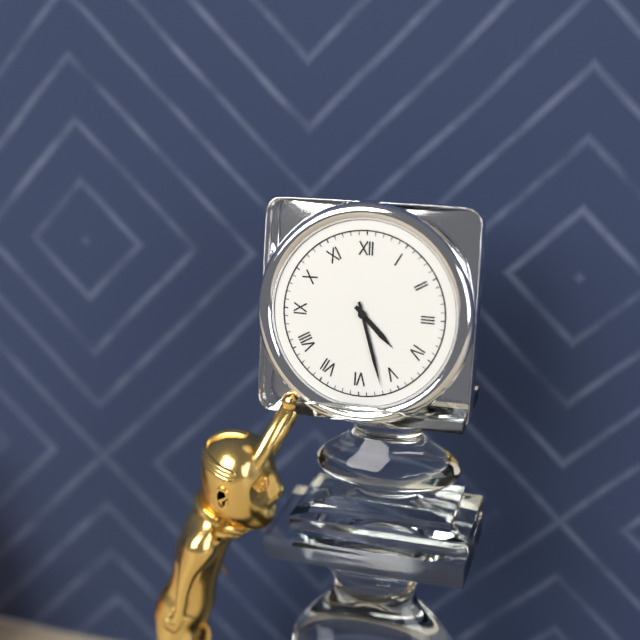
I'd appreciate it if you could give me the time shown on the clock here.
4:27
